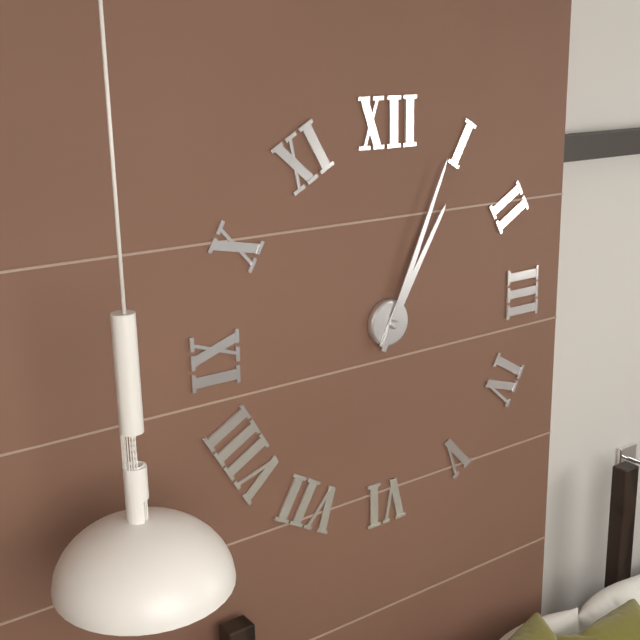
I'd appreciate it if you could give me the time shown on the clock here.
1:04
